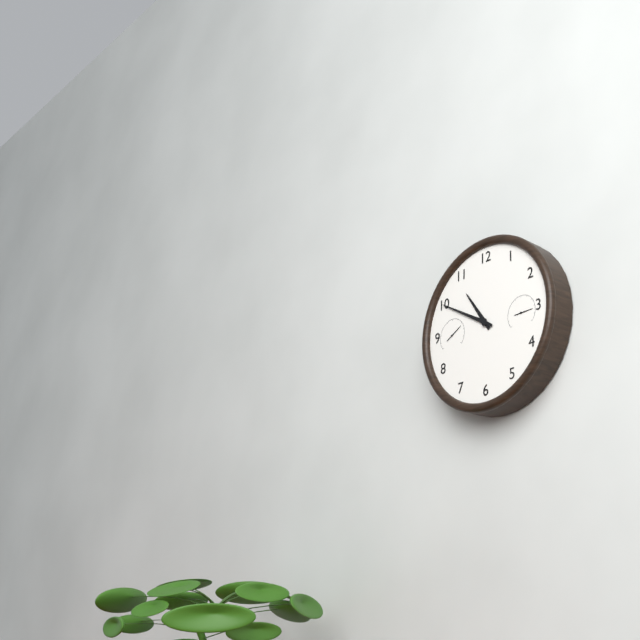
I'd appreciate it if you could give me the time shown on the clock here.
10:50
